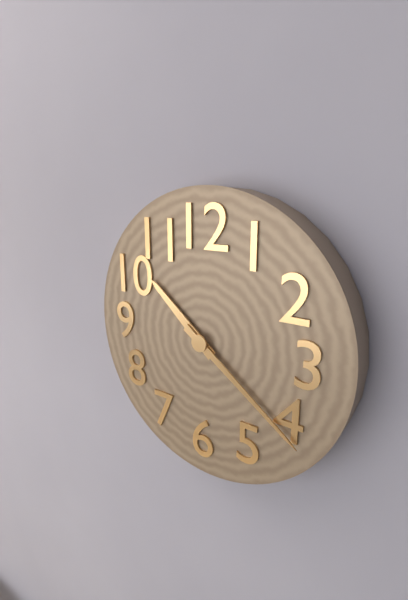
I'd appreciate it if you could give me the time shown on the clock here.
10:21
